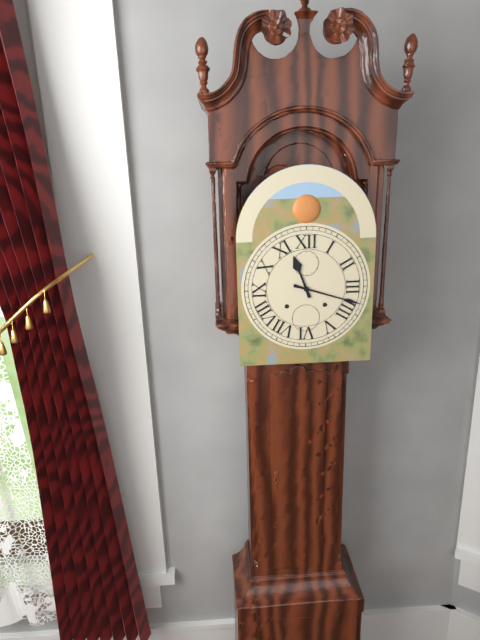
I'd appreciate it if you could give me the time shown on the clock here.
11:18
